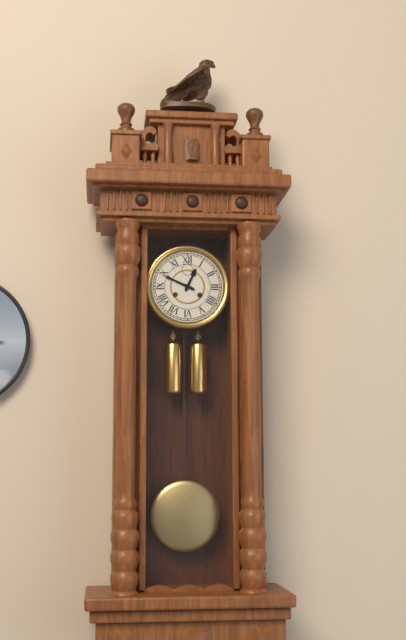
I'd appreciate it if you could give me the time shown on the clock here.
12:49
